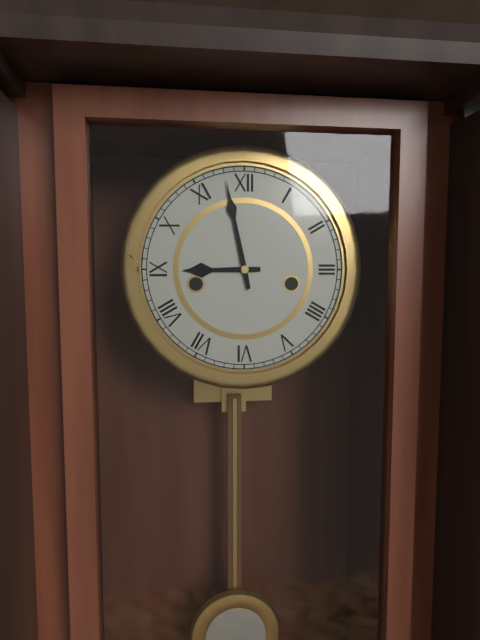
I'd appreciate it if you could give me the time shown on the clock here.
8:58
